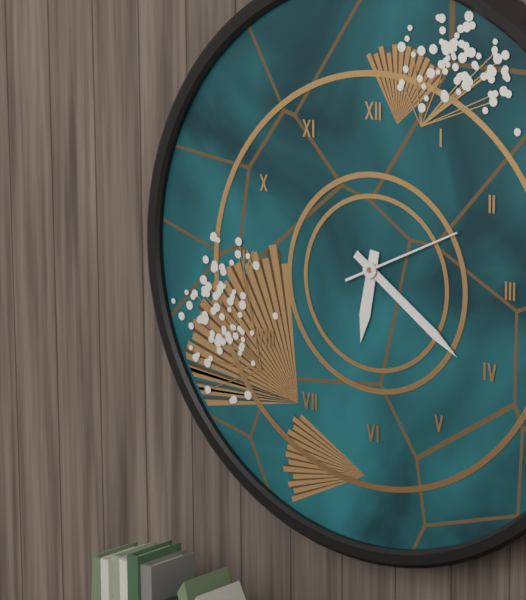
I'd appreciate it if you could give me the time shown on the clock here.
6:21:11
